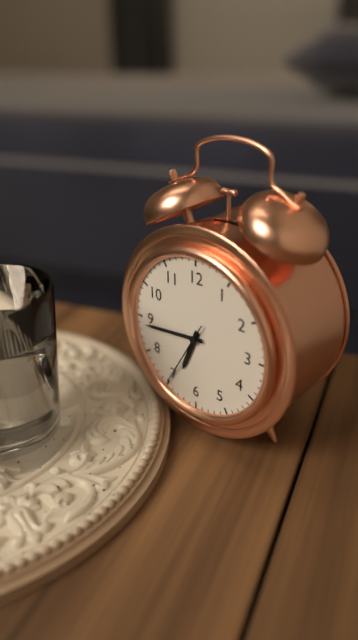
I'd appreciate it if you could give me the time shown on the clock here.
6:44:35
